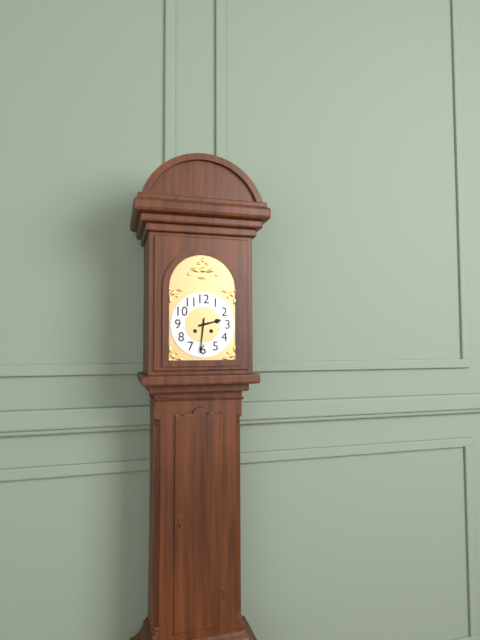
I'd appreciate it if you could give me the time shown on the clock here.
2:31
